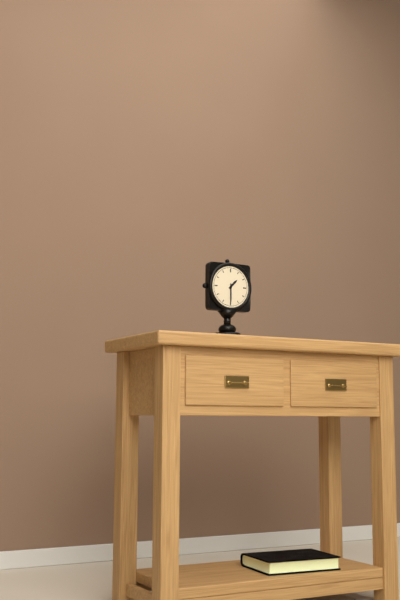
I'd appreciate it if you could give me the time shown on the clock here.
1:30
